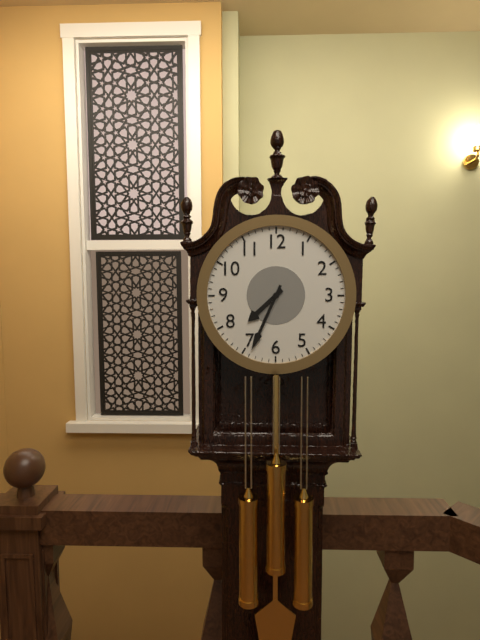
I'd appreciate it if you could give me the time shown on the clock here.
7:34
